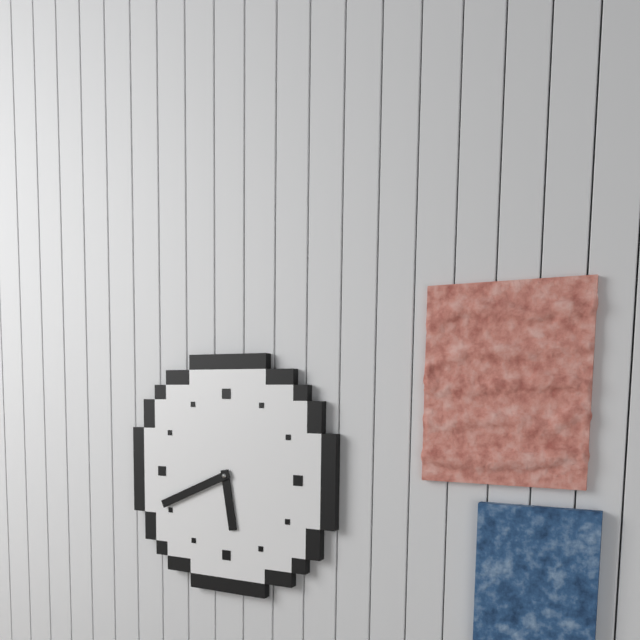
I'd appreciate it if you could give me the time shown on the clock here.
5:41
